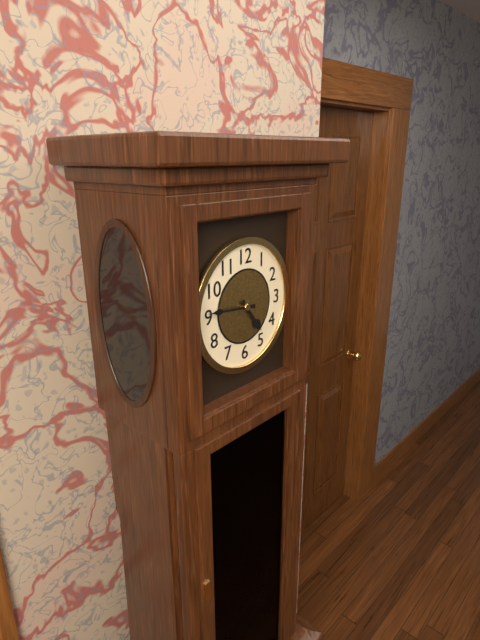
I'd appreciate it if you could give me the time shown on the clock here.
4:46
